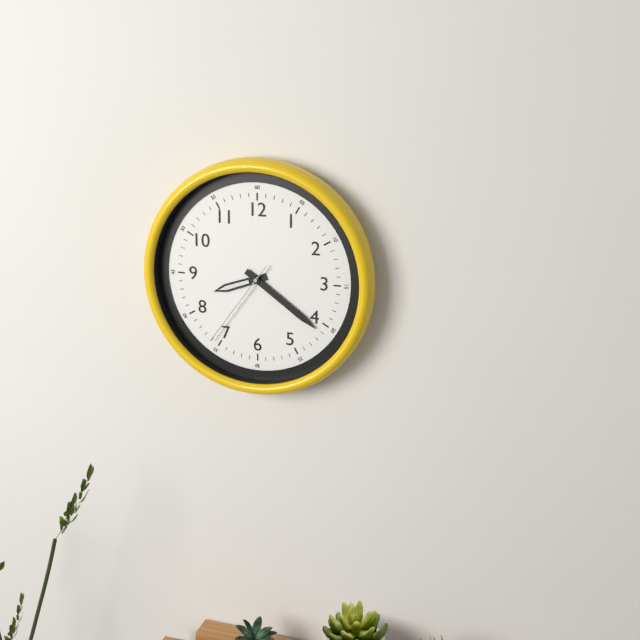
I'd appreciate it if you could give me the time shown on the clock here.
8:21:36
